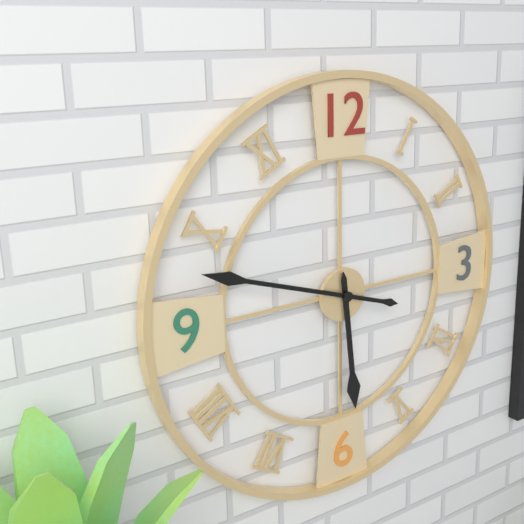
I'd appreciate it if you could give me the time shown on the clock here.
5:48
